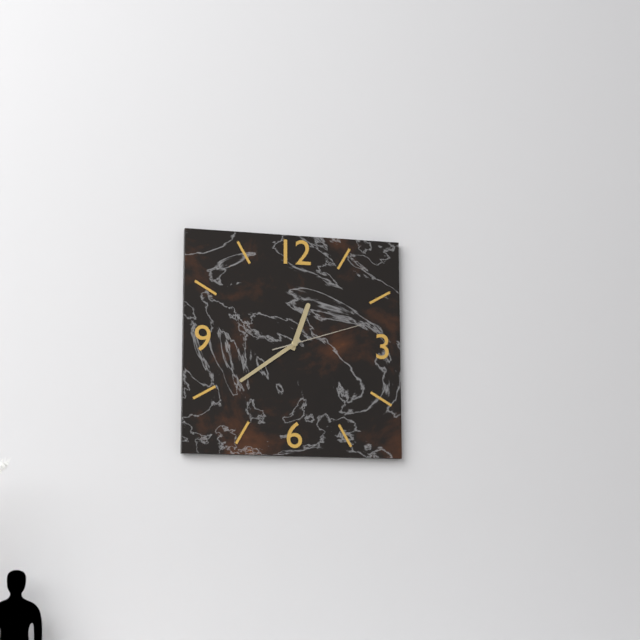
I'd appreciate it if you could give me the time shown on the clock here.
12:39:12
